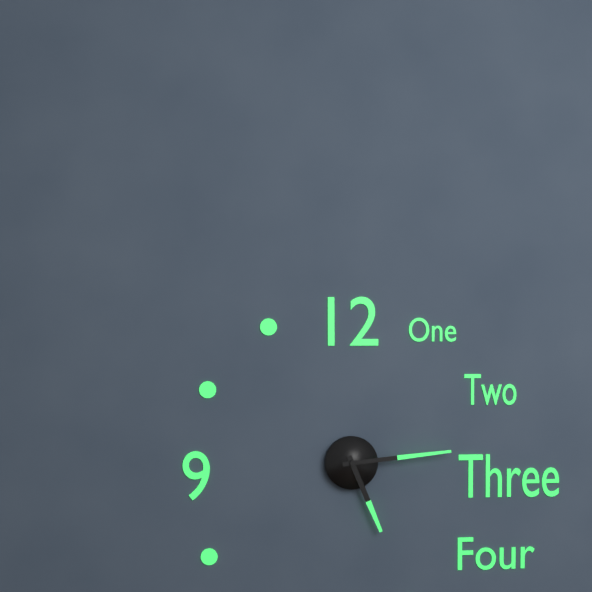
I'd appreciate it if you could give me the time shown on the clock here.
5:14
